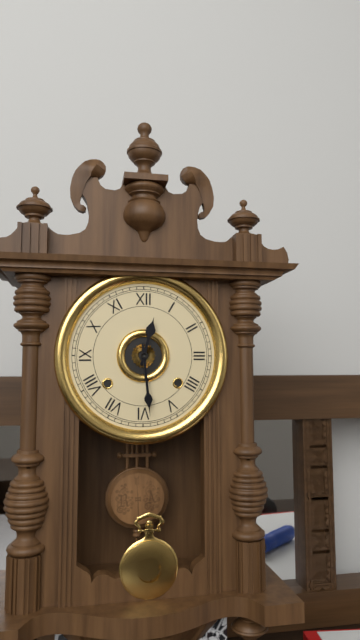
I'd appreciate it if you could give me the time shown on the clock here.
12:29
